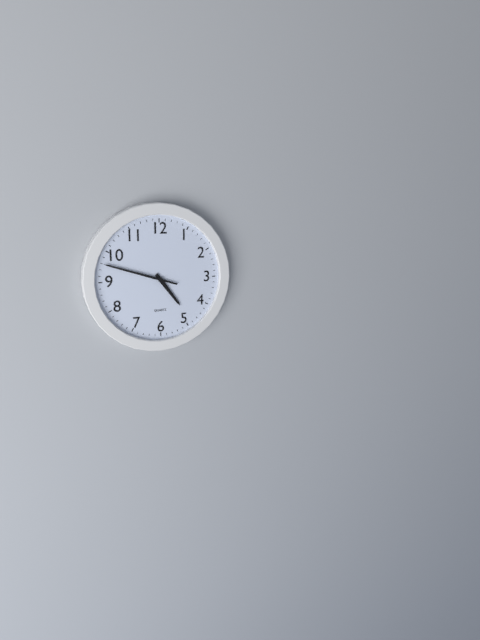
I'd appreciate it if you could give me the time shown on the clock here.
4:48
